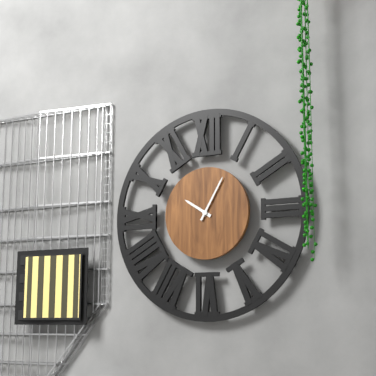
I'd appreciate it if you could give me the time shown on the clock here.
10:05
